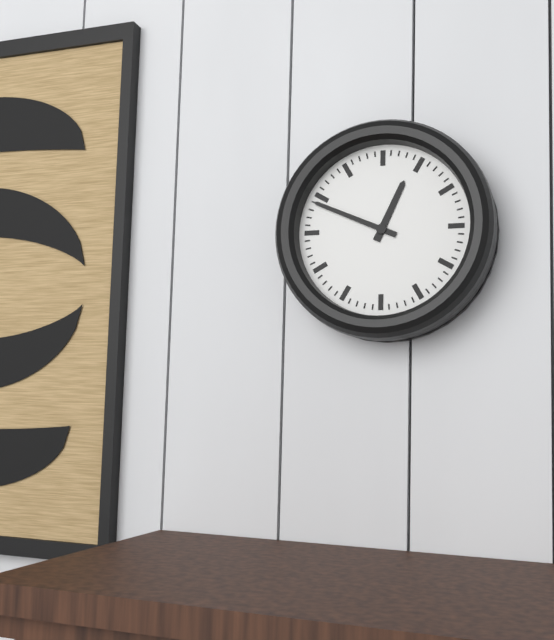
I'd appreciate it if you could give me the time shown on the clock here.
12:49
